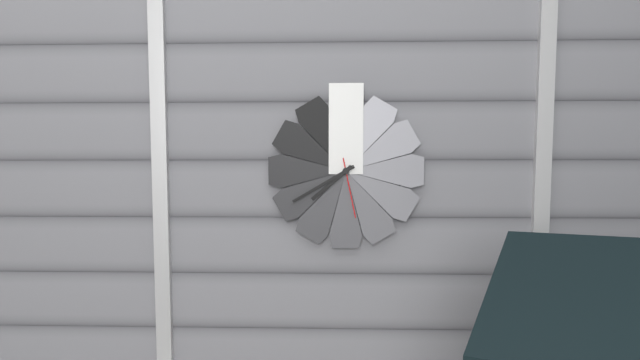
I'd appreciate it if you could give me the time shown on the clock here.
7:40:28
